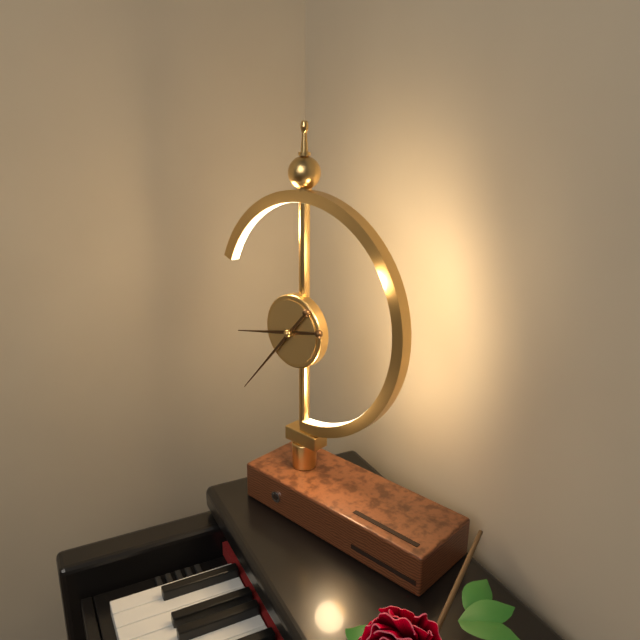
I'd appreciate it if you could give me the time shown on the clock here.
8:37
